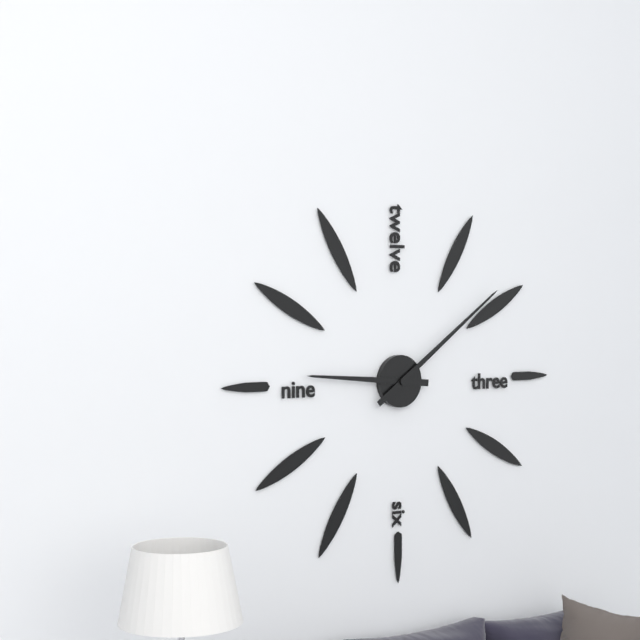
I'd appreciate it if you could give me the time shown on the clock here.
9:09
